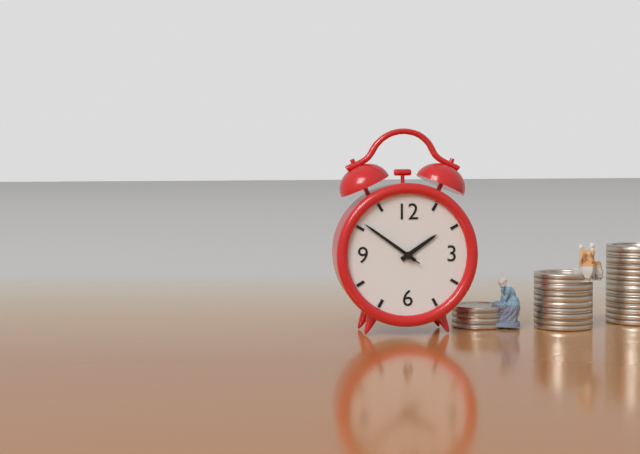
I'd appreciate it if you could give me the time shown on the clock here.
1:51:51
